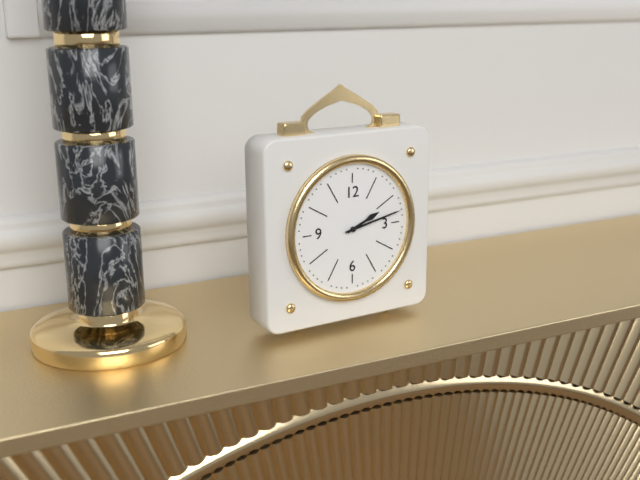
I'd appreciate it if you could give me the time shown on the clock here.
2:13
